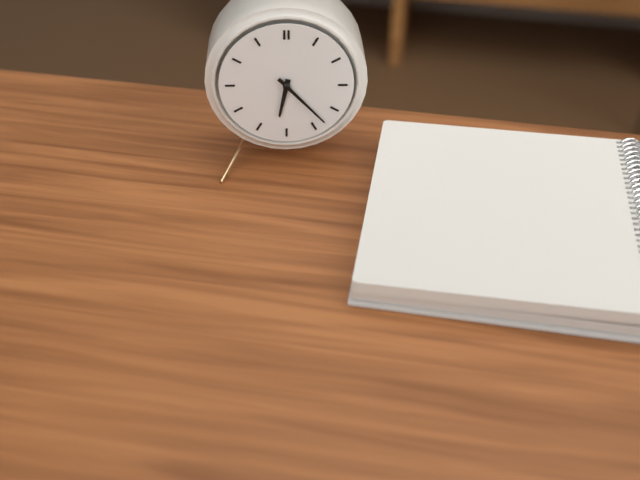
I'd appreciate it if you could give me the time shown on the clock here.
6:23
